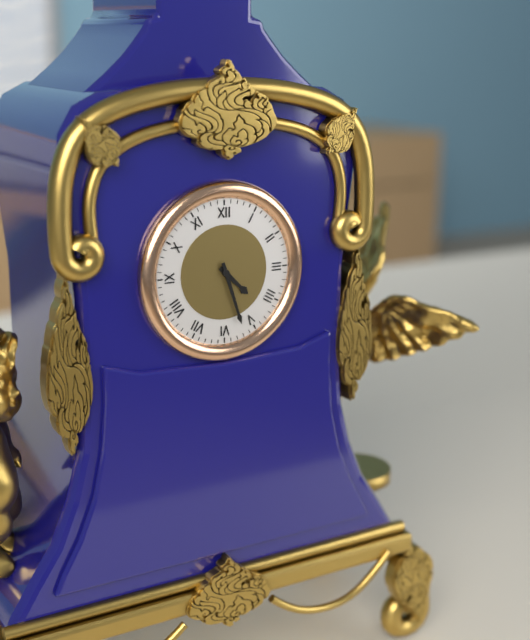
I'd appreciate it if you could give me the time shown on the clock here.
4:27
